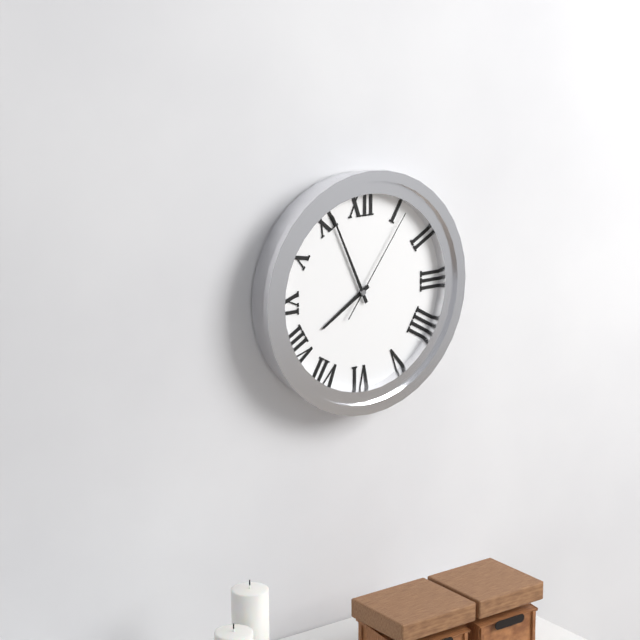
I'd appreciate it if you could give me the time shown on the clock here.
7:56:06
